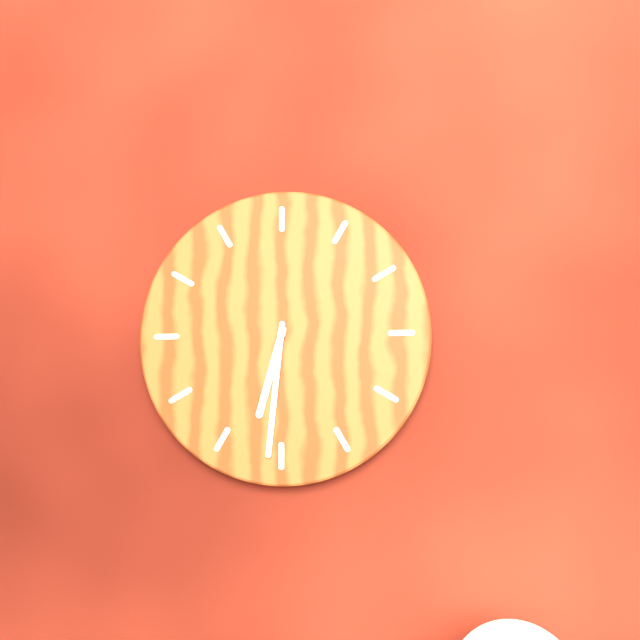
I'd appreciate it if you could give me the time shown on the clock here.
6:31
